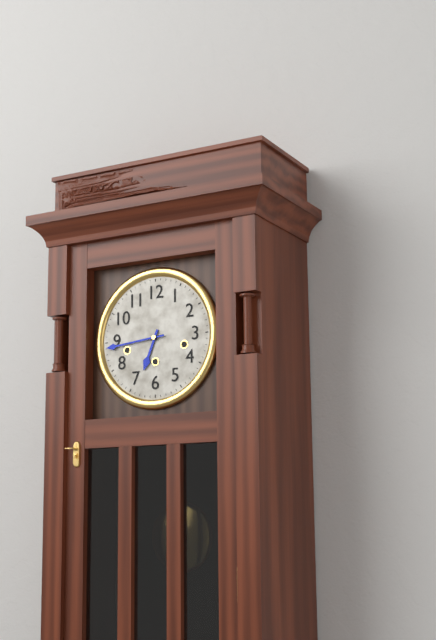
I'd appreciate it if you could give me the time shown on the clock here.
6:44
